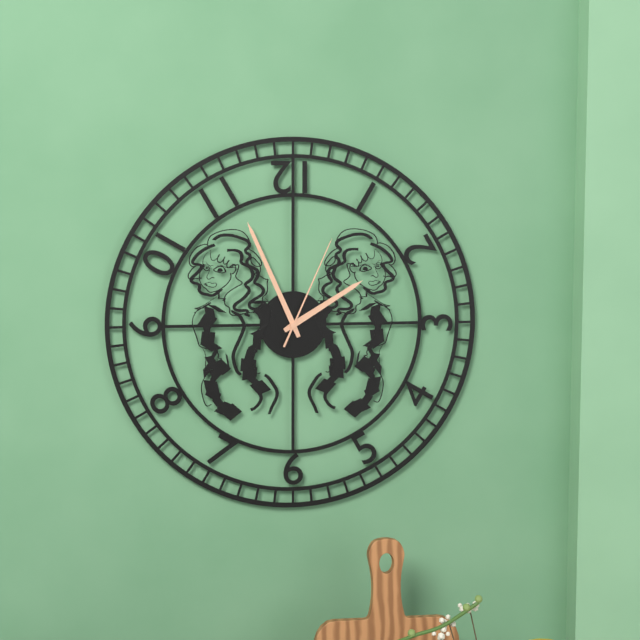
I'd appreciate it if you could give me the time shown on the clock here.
1:56:04
